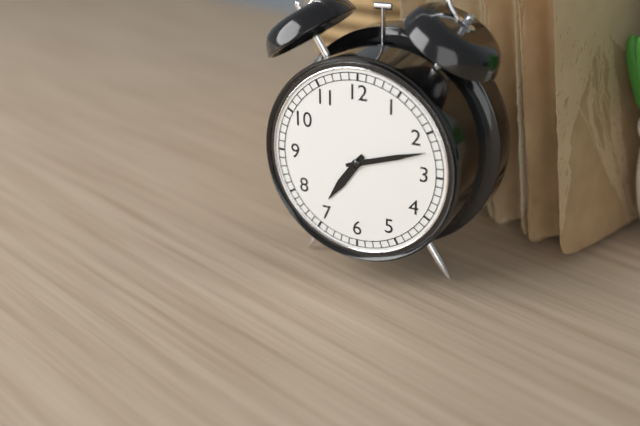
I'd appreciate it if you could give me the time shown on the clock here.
7:12
